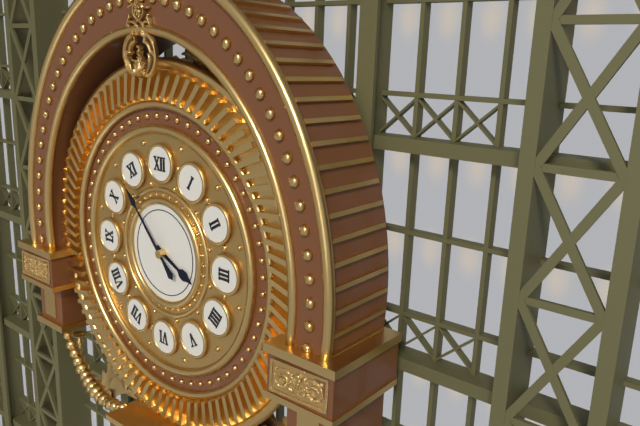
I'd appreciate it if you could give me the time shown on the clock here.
3:53
